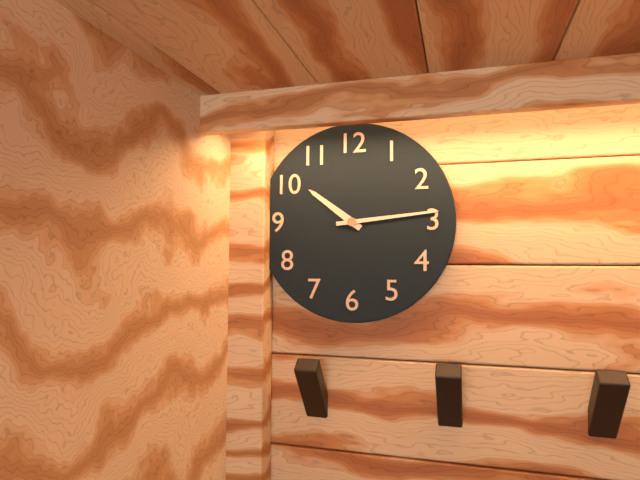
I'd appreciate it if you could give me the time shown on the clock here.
10:14
